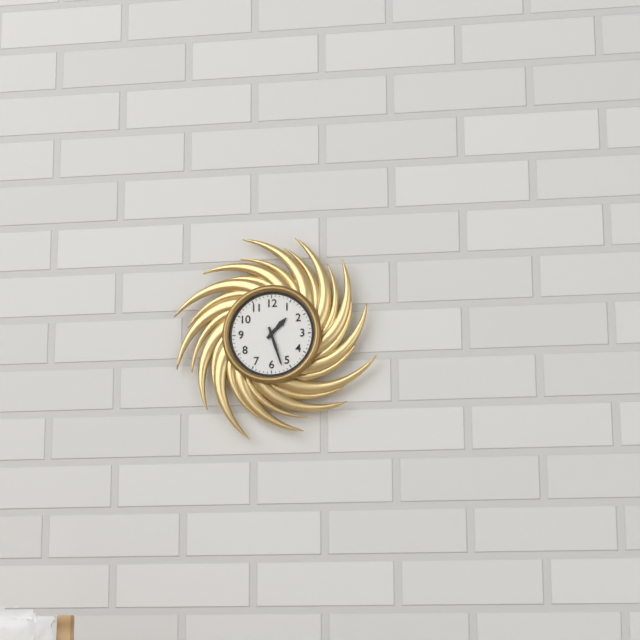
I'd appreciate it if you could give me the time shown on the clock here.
1:27
